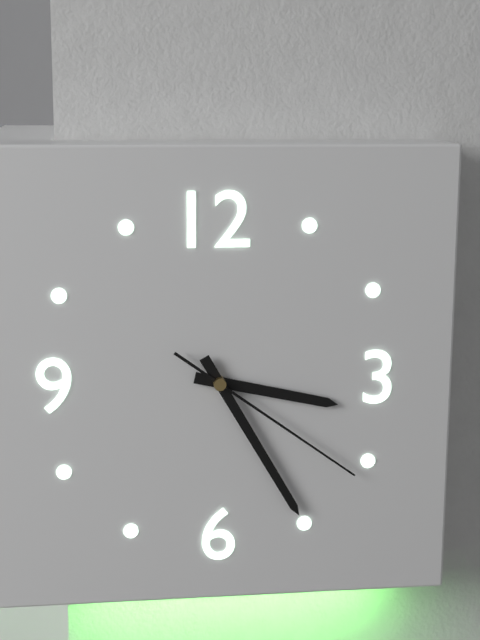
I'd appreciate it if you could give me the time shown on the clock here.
3:25:21
